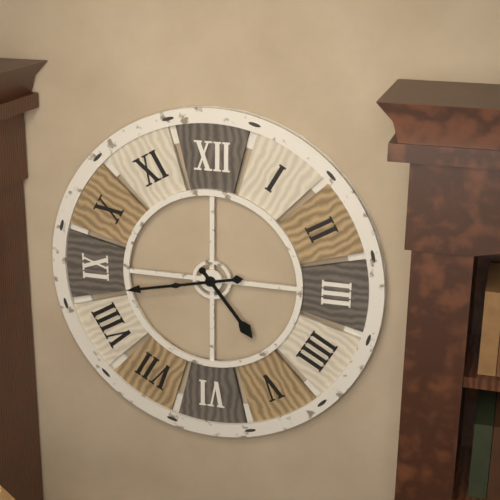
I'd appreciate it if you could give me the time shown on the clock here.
4:43
